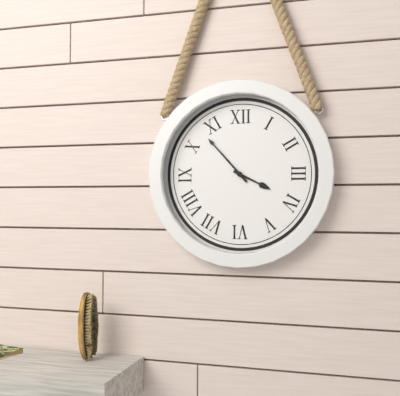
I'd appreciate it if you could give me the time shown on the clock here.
3:53
